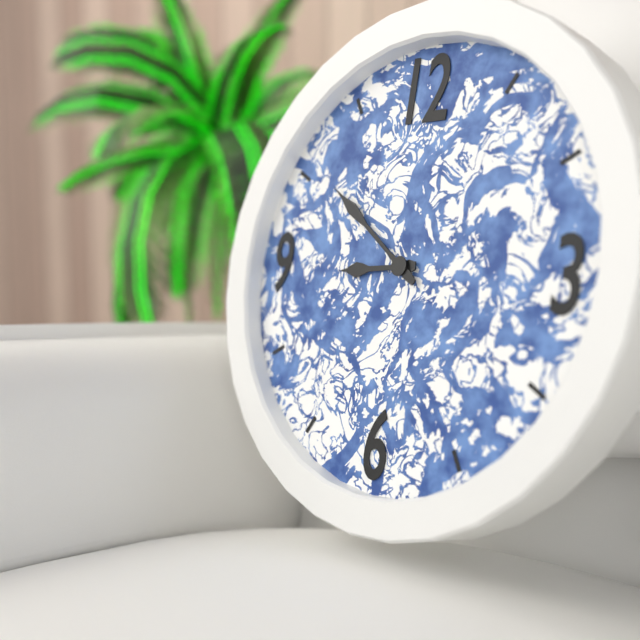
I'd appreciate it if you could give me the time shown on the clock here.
8:51
